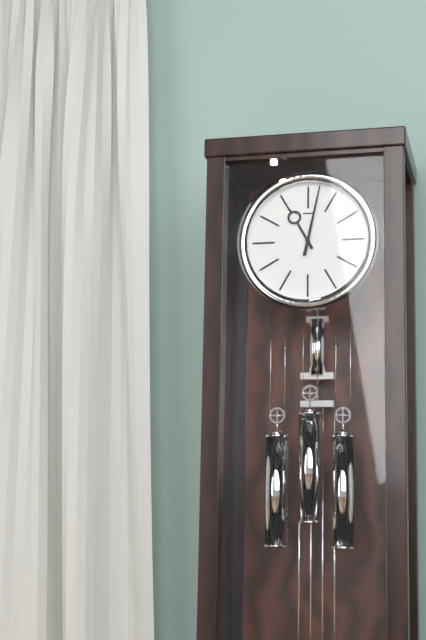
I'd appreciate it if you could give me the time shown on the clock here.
11:02
